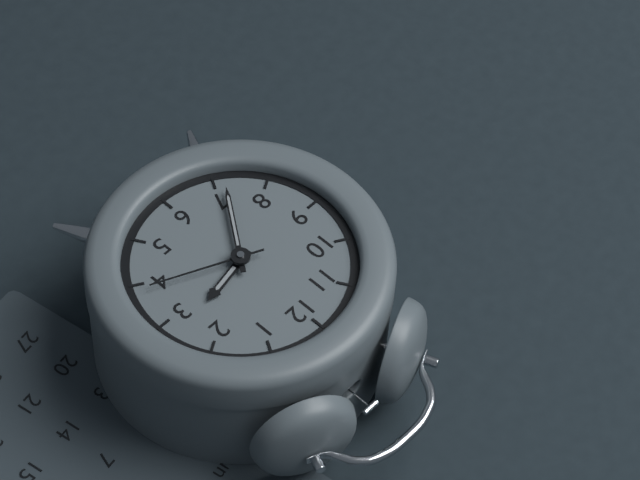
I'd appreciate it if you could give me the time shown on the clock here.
2:36:19
